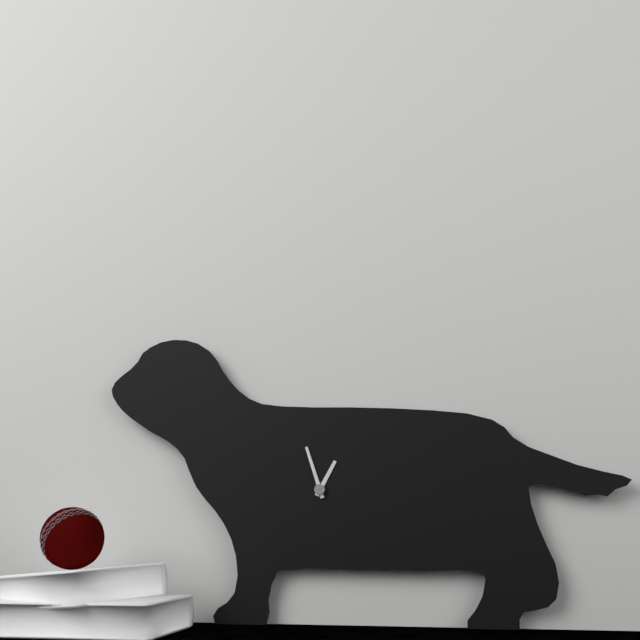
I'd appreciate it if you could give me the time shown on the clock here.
12:57
